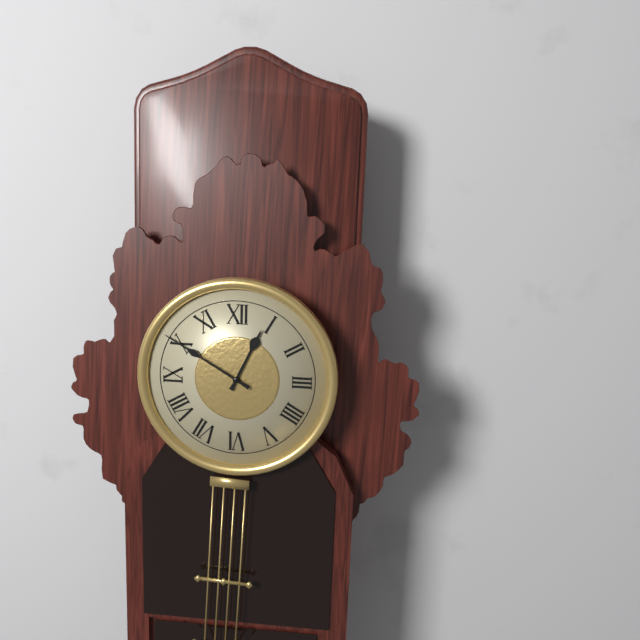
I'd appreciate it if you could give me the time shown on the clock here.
12:50
